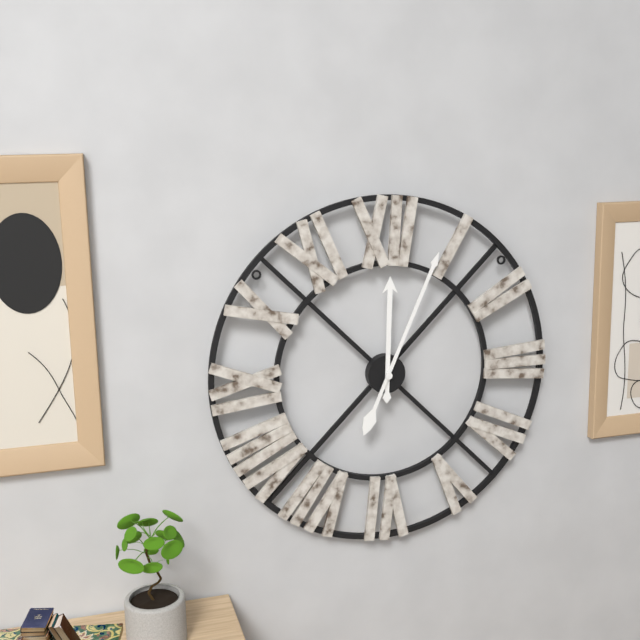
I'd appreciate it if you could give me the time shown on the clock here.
12:04
